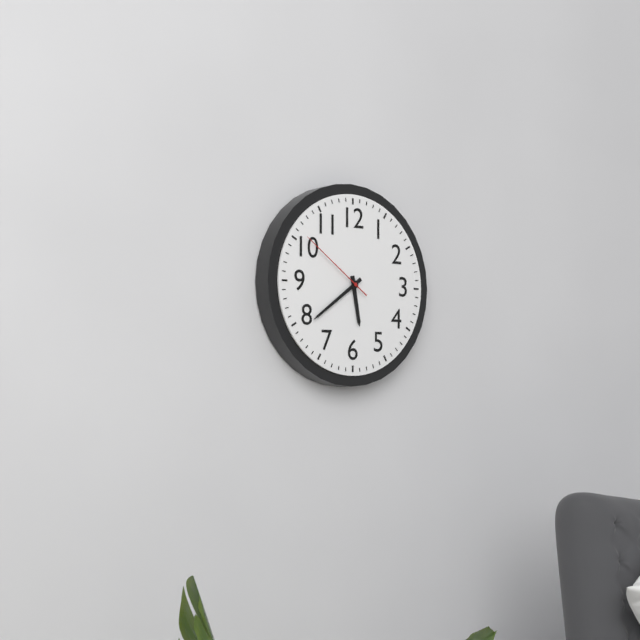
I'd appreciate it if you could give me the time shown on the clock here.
5:39:51
